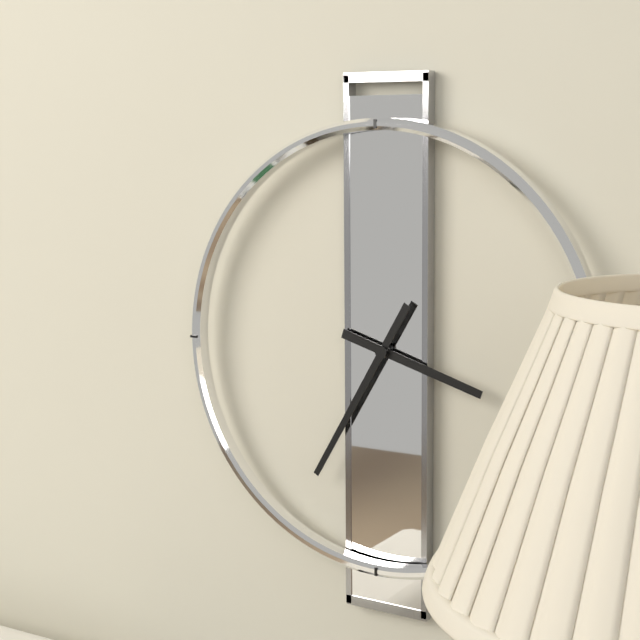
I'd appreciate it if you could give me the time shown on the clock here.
3:35
